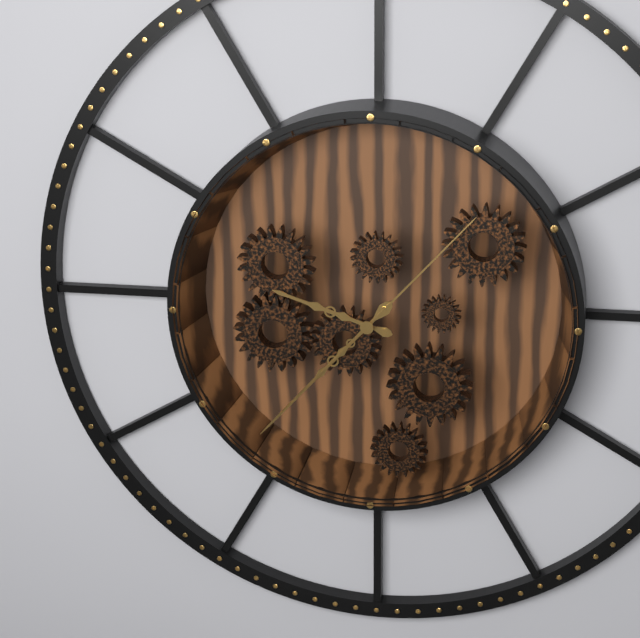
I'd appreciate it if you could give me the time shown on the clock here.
9:37:07
